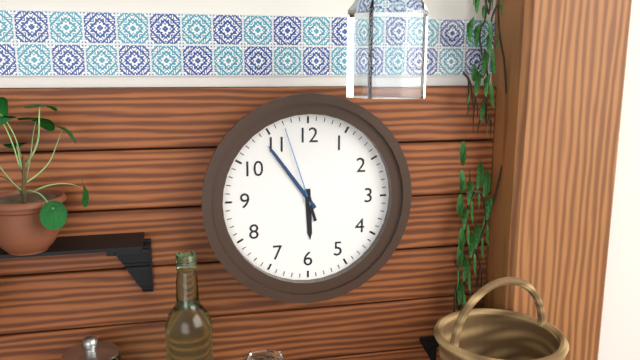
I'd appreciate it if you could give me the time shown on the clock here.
5:54:57
